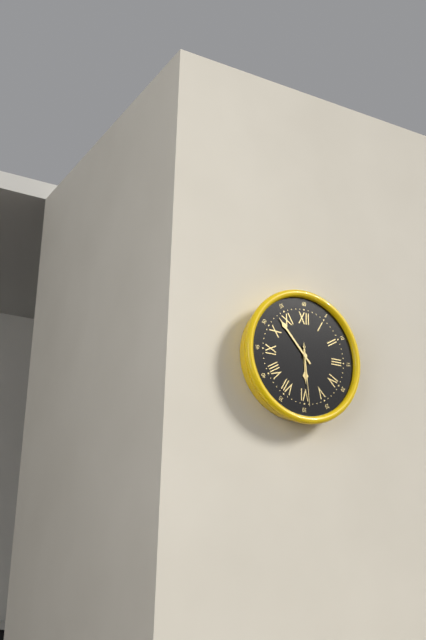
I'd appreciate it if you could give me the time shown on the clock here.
5:53:29
